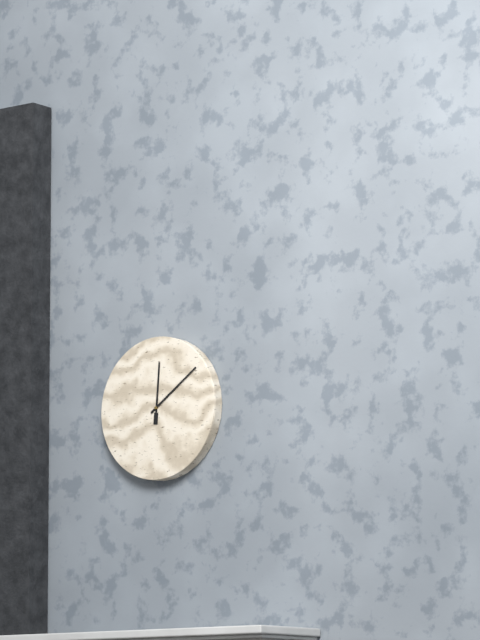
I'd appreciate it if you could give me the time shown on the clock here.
12:09
